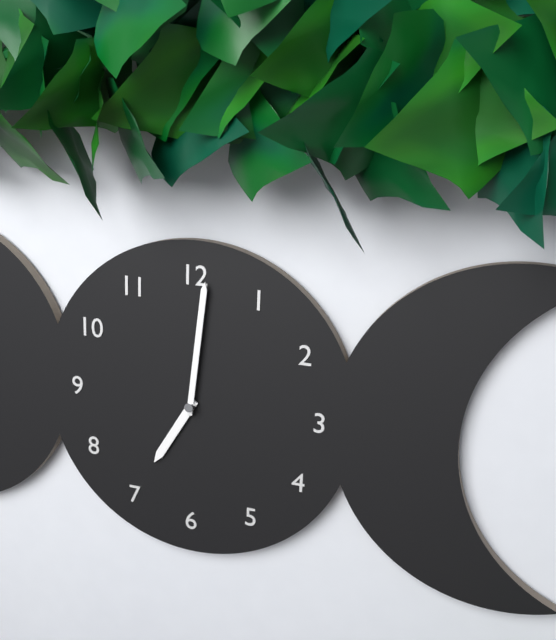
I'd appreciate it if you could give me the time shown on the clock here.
7:01
